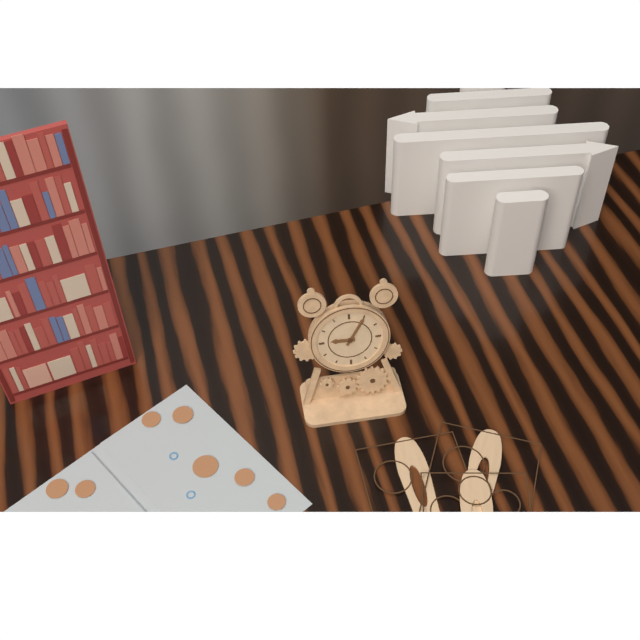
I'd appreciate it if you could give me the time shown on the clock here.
9:05
